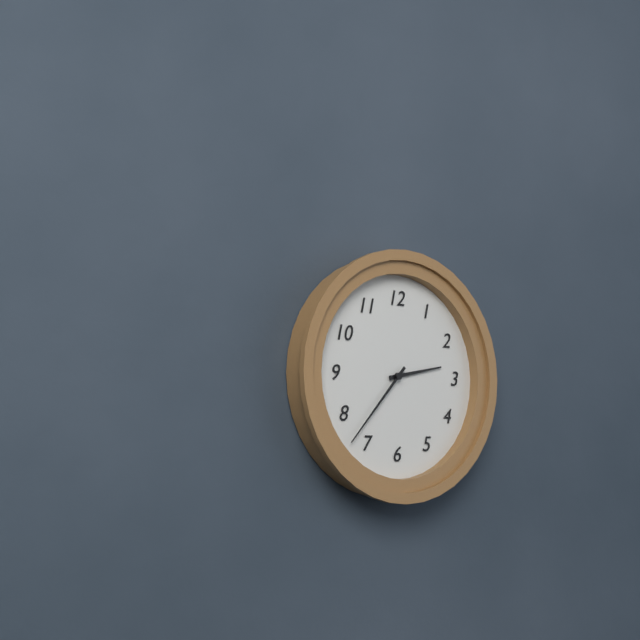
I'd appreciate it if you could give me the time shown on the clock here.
2:37
